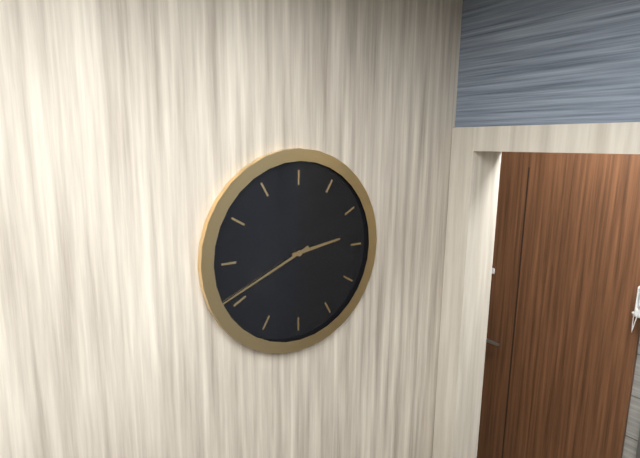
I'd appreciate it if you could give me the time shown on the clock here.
2:41
